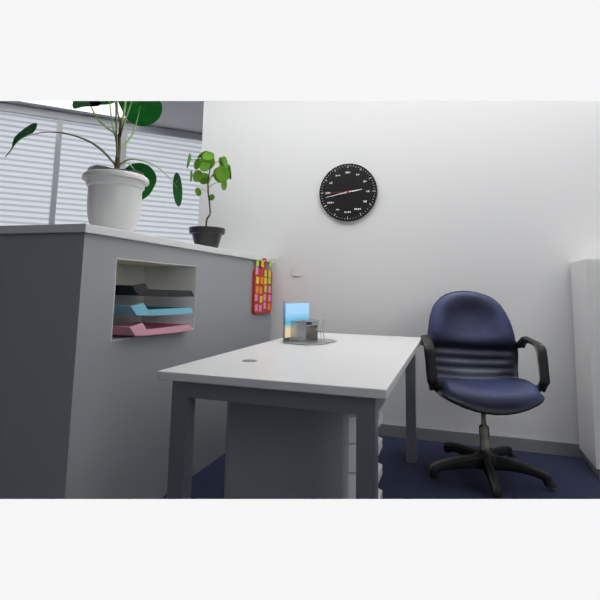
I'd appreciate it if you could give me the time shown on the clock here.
2:43
